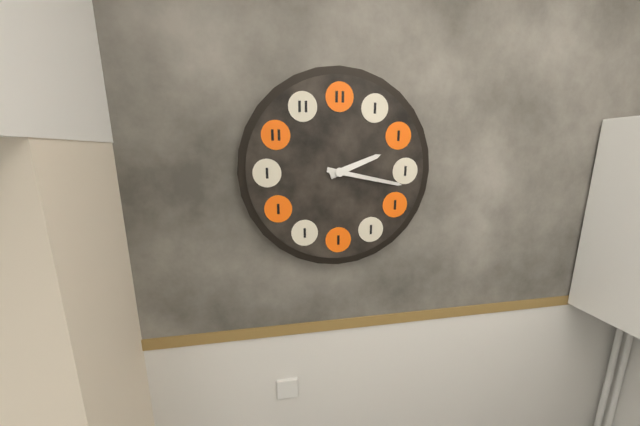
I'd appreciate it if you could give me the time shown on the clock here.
2:17
